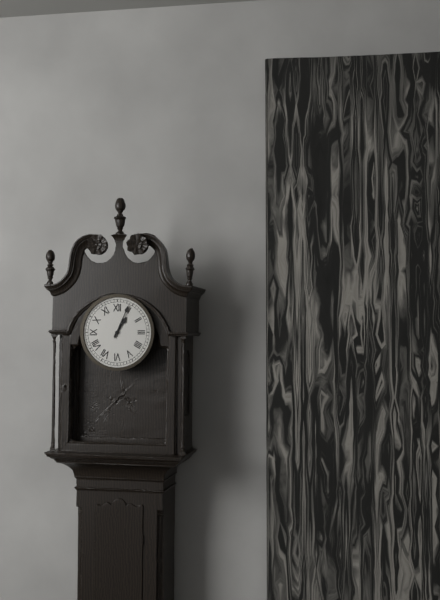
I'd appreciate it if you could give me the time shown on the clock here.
1:04
